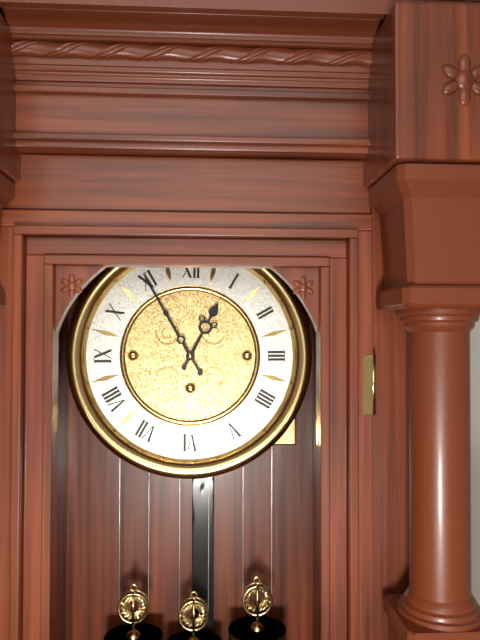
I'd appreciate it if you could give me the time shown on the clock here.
12:55
